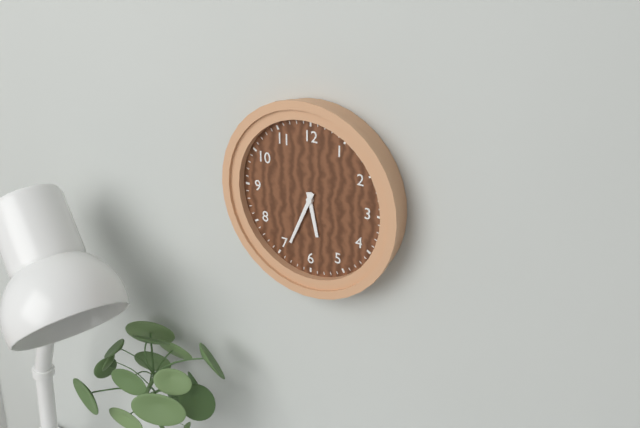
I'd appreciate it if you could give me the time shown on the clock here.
5:34
